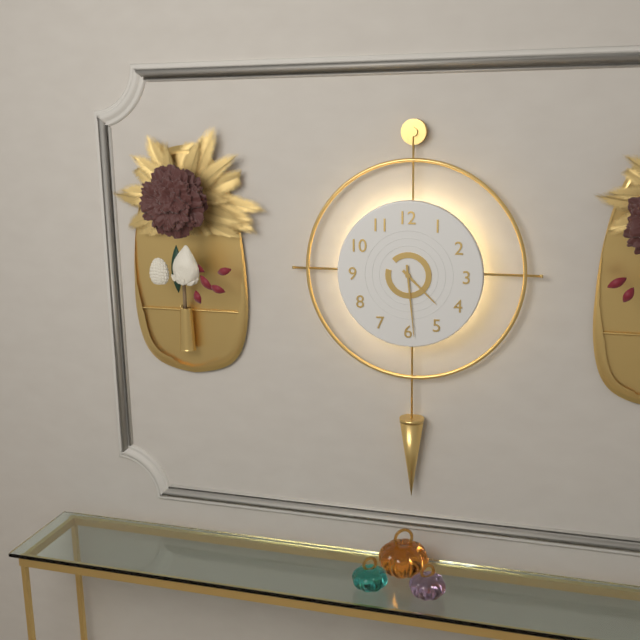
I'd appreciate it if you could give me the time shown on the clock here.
4:29
